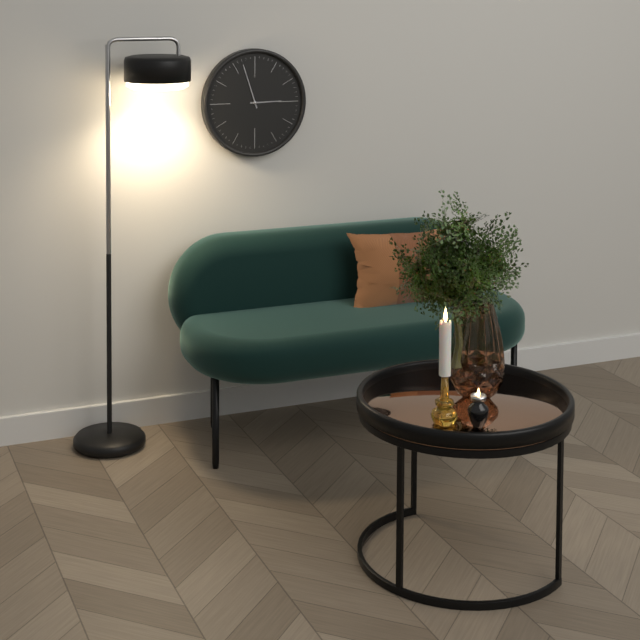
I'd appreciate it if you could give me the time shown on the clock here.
2:57
